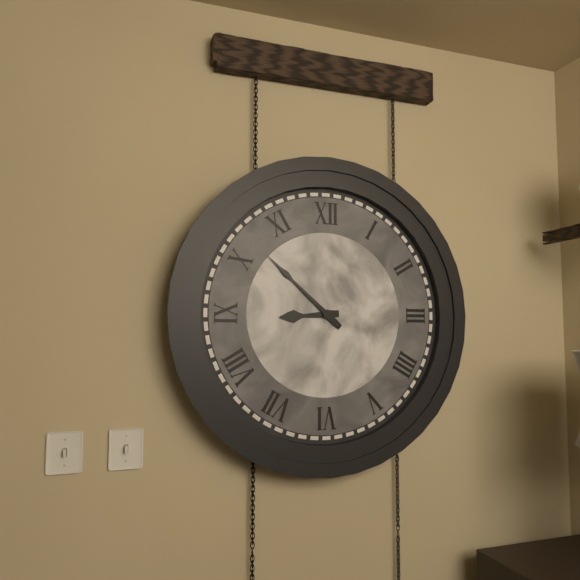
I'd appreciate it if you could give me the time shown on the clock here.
8:52
